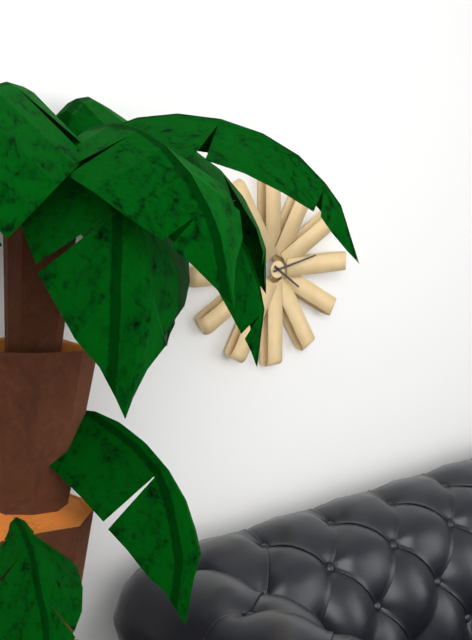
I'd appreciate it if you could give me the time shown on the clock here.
4:13
